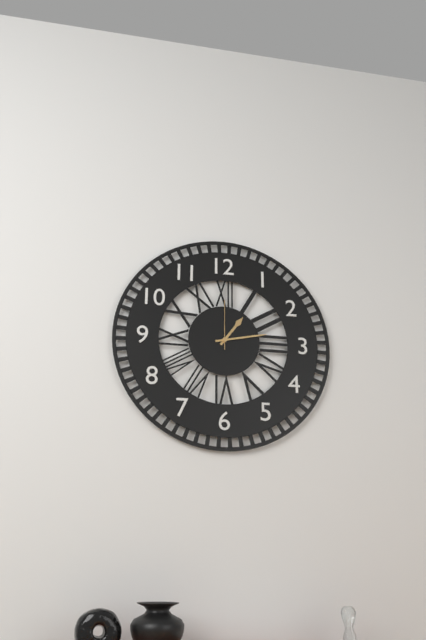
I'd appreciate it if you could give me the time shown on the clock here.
1:13:00
